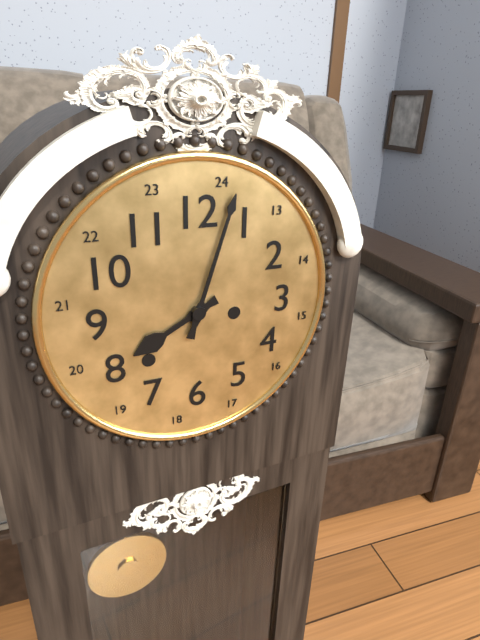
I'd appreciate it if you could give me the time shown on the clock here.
8:03
